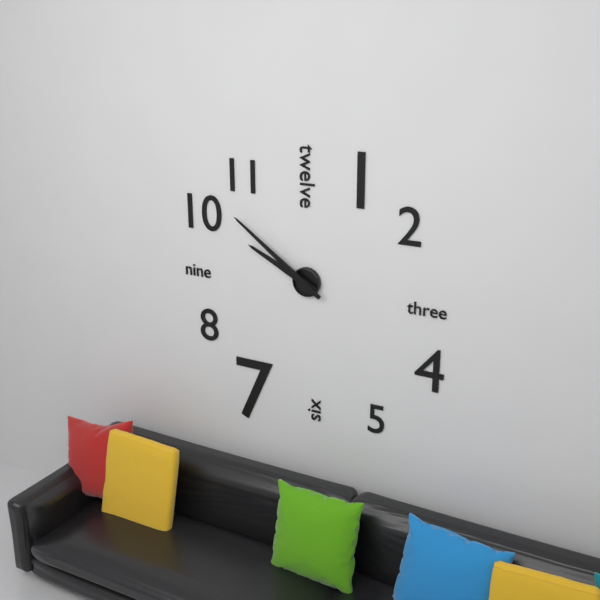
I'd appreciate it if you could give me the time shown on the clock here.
9:51
